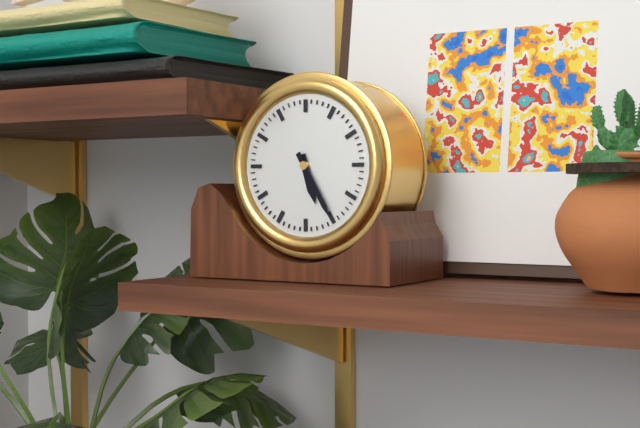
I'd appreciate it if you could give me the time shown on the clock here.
5:25
